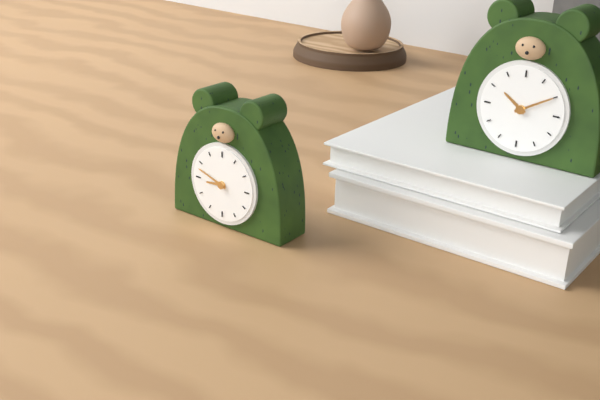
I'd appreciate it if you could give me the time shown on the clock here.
8:48
